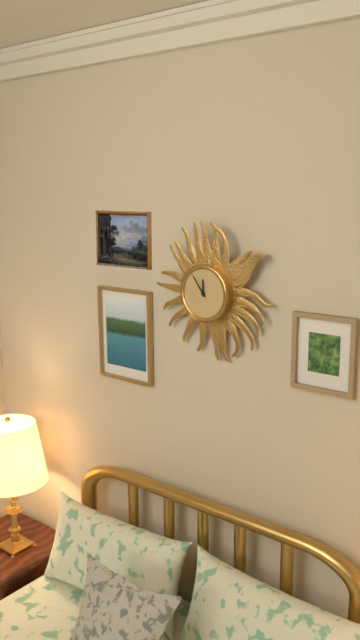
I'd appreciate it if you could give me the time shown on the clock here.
11:54
